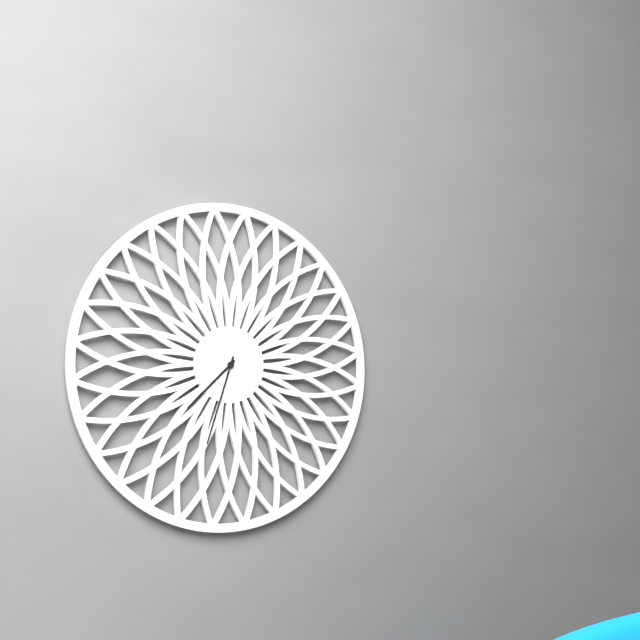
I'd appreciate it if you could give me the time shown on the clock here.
7:33
